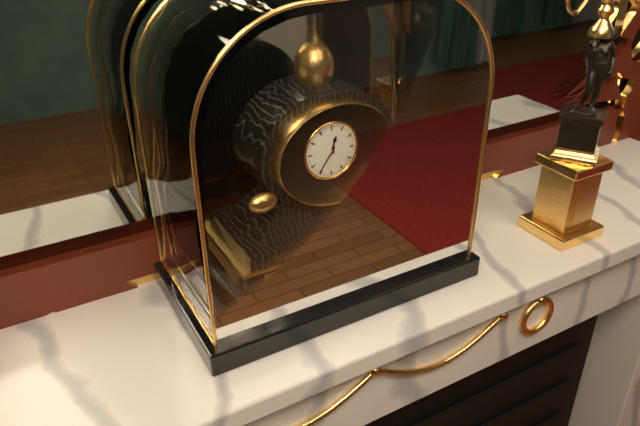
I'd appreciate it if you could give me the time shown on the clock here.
12:36
